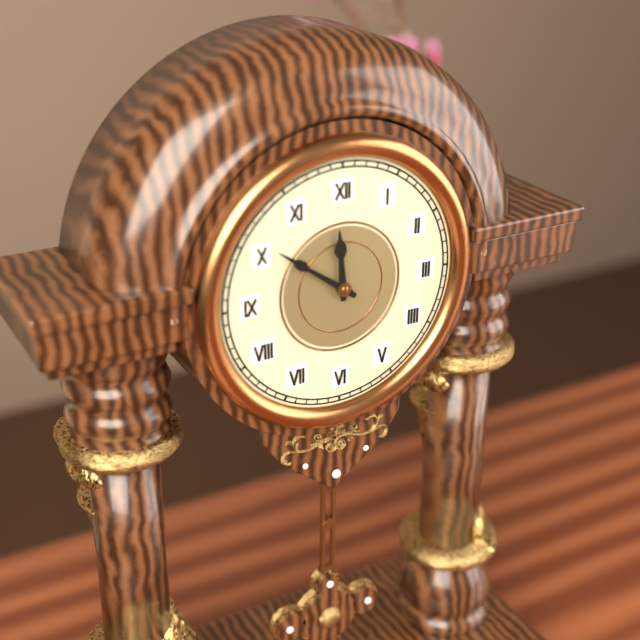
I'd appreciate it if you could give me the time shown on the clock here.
11:51
